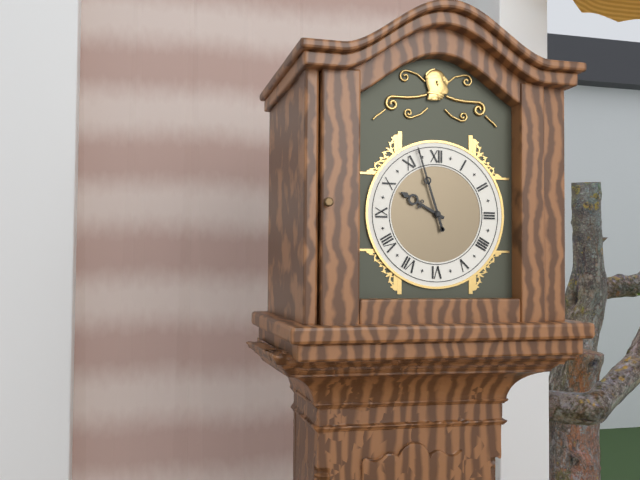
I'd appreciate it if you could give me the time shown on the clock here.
9:57
